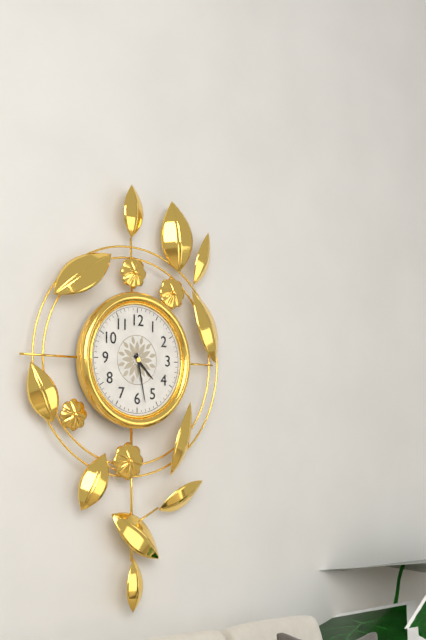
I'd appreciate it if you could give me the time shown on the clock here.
4:28
